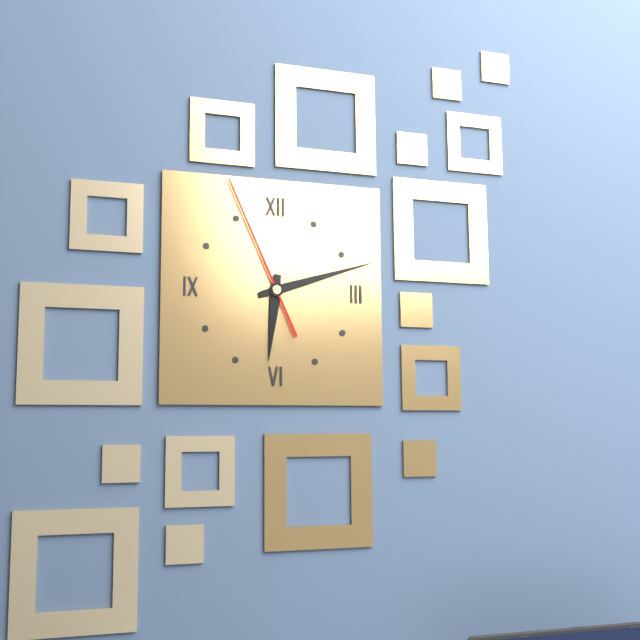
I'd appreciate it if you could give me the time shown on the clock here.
6:12:56
